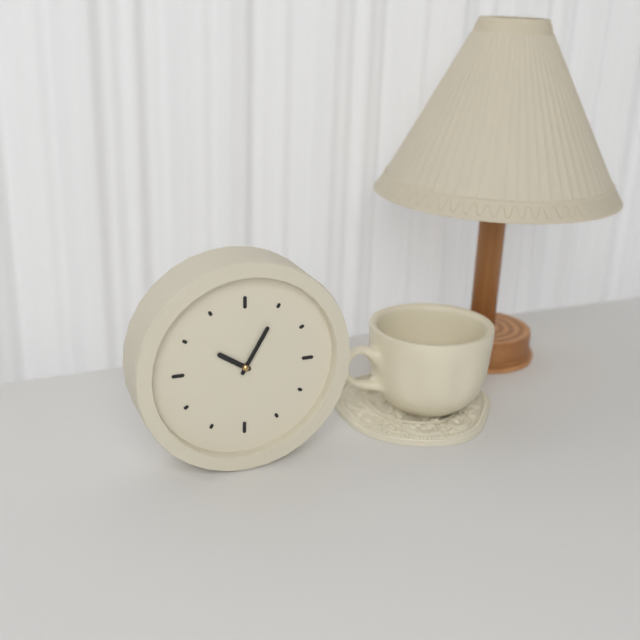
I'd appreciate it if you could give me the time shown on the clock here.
10:05
